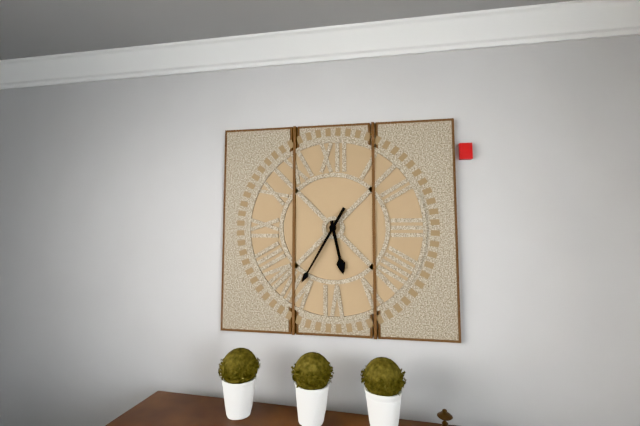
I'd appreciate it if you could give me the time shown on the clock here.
5:35
